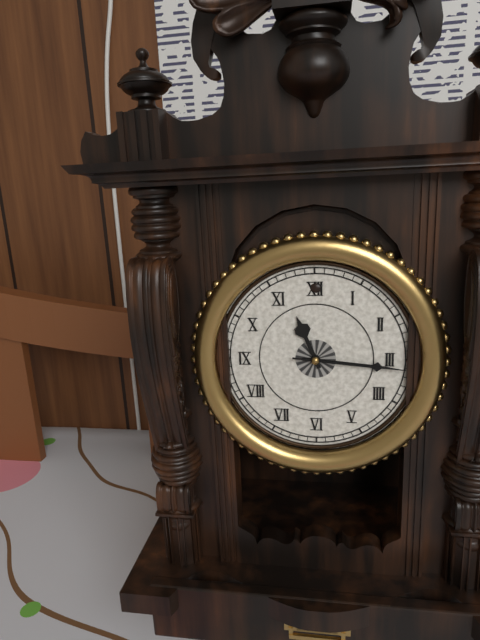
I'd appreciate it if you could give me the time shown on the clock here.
11:16:16
